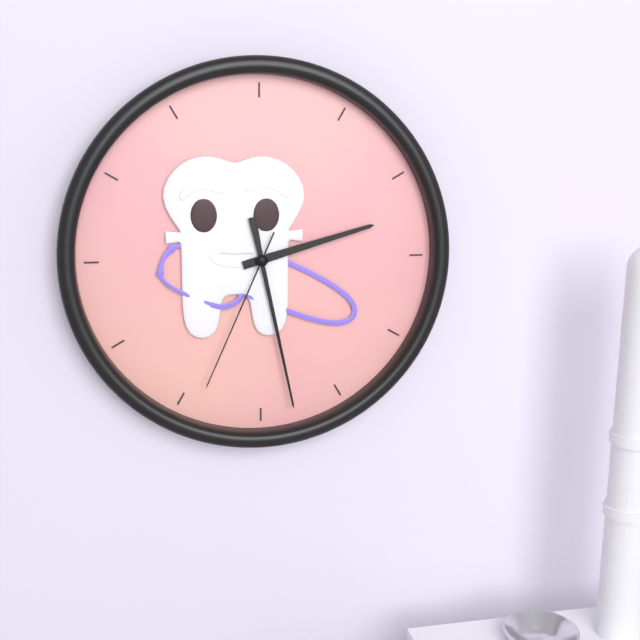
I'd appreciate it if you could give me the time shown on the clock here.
2:28:34
